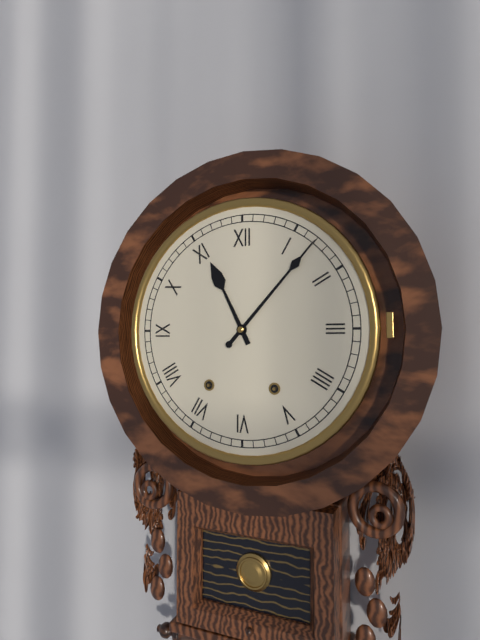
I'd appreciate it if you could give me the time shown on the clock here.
11:07
